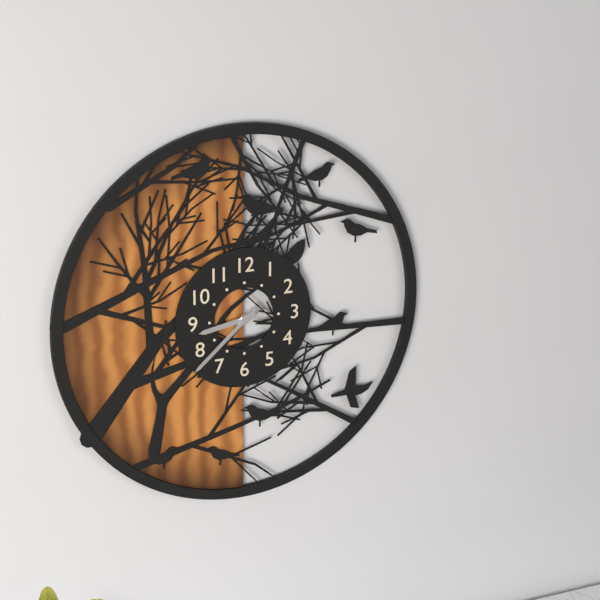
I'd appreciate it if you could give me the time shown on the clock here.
8:38
